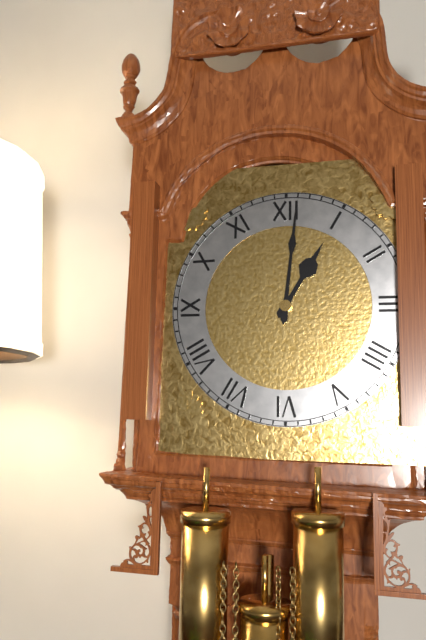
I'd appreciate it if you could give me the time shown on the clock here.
1:01
